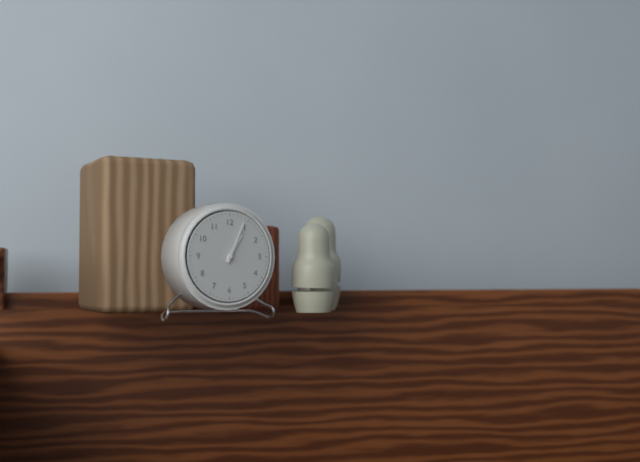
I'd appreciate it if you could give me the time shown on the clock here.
1:04
